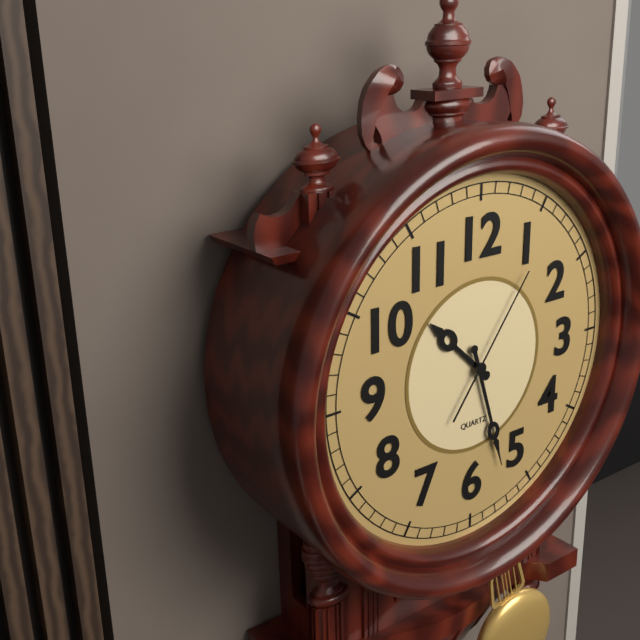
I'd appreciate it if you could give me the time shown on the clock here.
10:27:06
